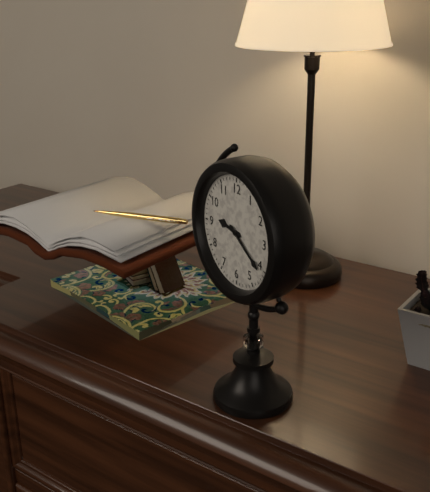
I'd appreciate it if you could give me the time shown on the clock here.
9:21
